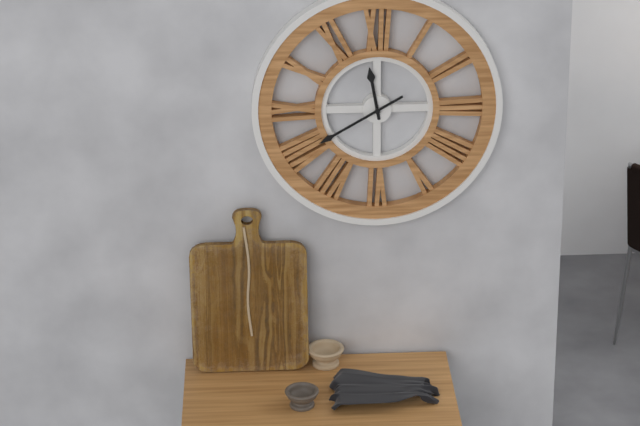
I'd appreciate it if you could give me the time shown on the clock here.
11:40
